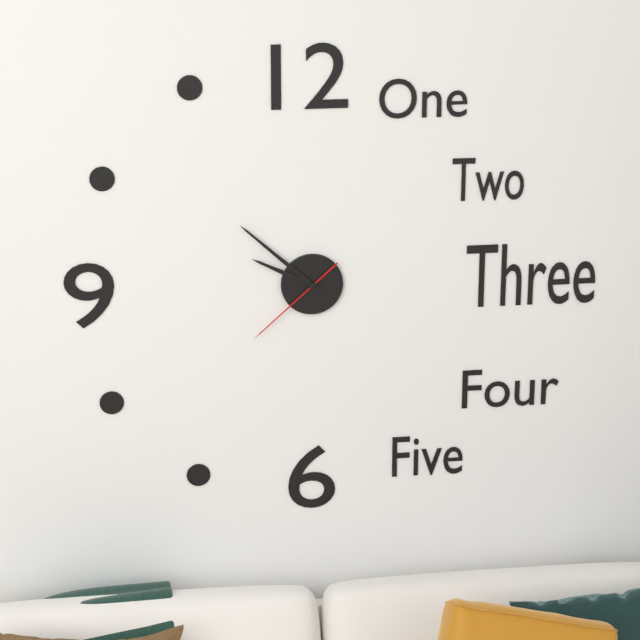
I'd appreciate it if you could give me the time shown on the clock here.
9:52:38
